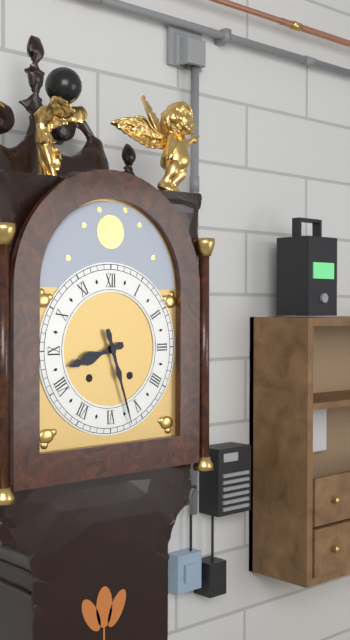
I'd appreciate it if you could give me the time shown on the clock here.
8:27
